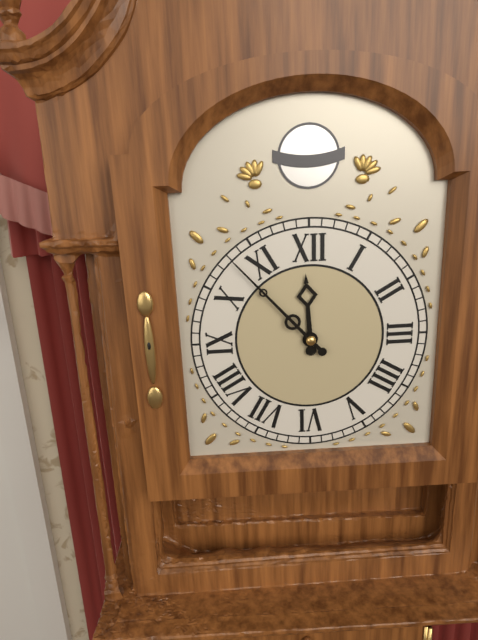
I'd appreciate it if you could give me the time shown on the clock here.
11:53
